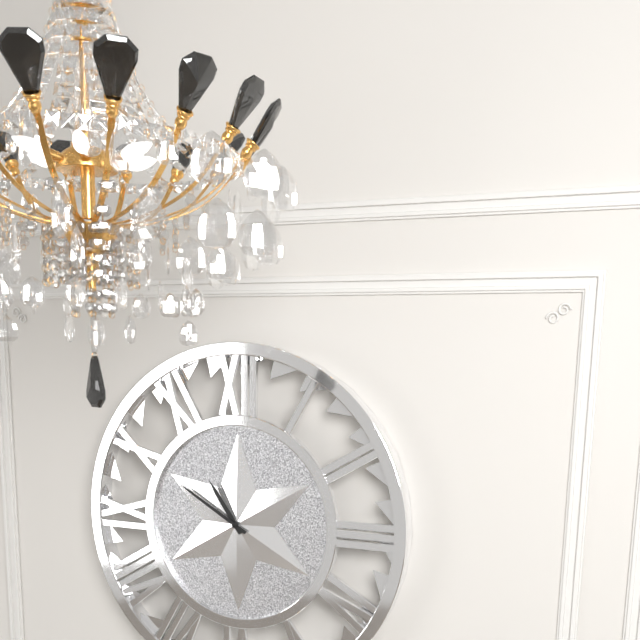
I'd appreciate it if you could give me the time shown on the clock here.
10:50
